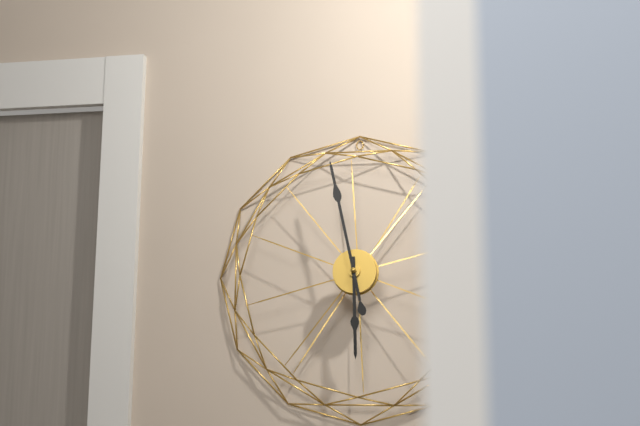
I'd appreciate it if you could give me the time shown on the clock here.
5:58
